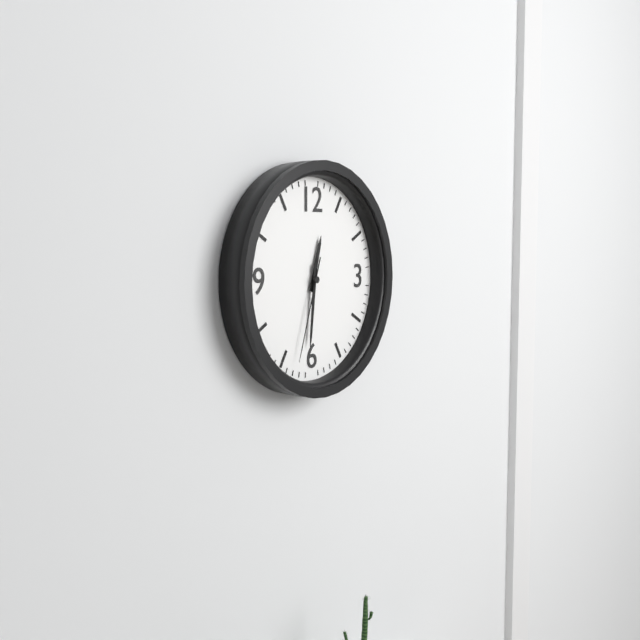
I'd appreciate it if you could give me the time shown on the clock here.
12:31:33
